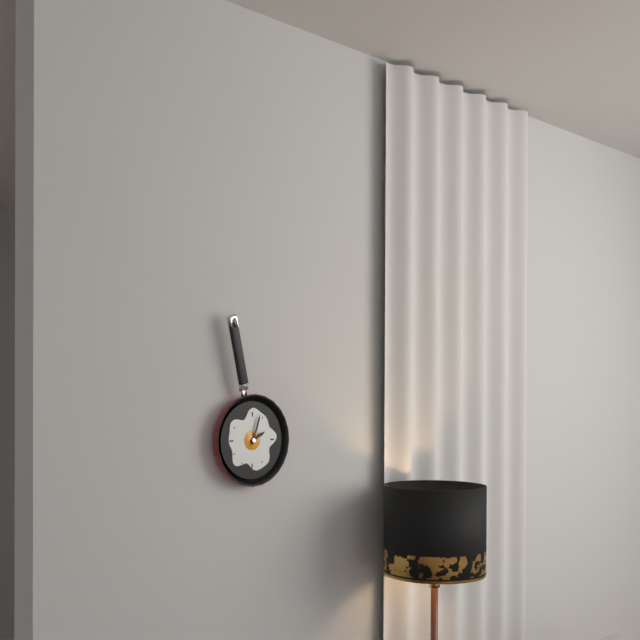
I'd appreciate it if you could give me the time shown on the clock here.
2:03
